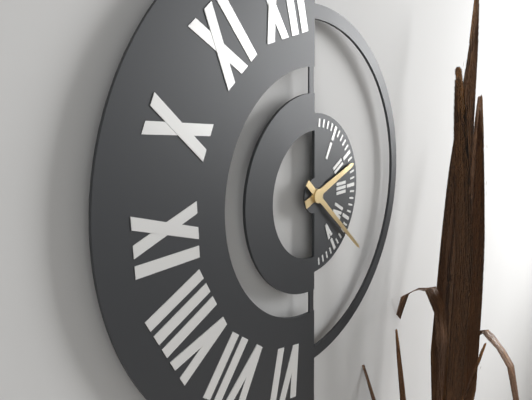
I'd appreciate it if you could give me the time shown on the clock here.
2:22
